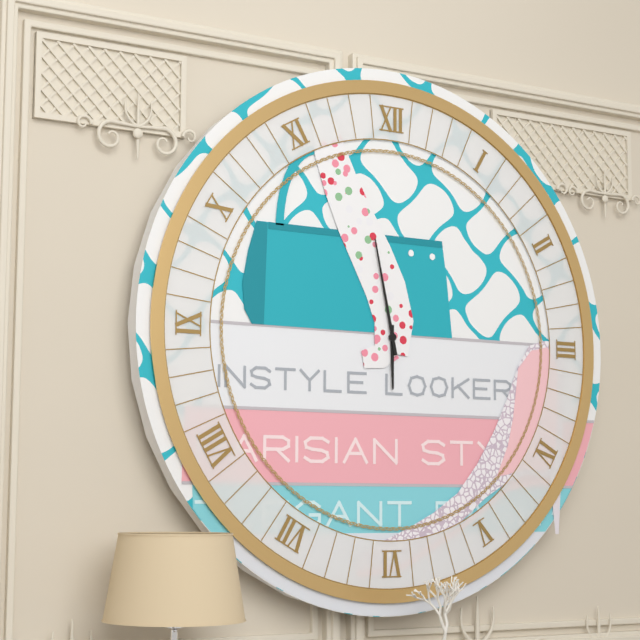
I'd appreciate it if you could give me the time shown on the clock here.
5:58
